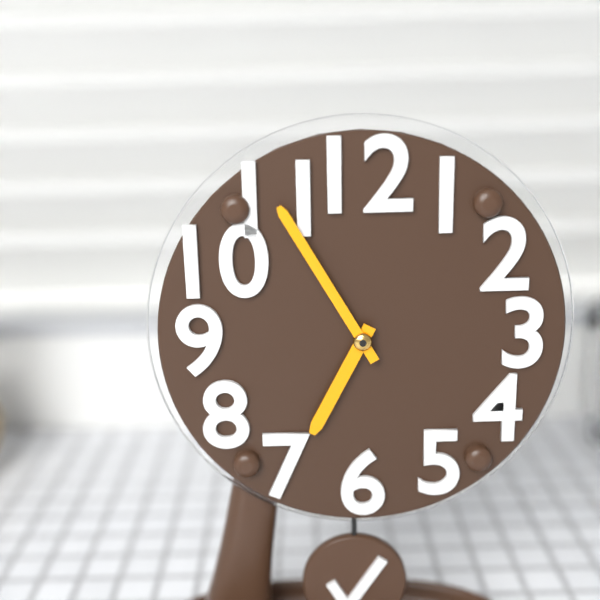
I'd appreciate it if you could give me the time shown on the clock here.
6:55
